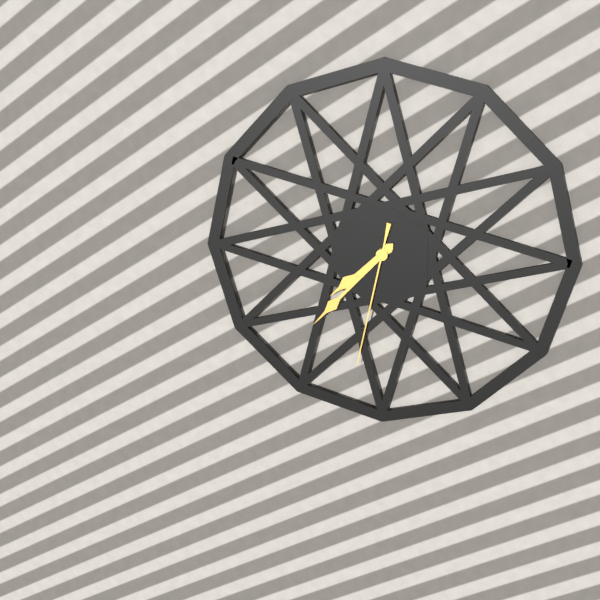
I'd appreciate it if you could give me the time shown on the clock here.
7:37:32
